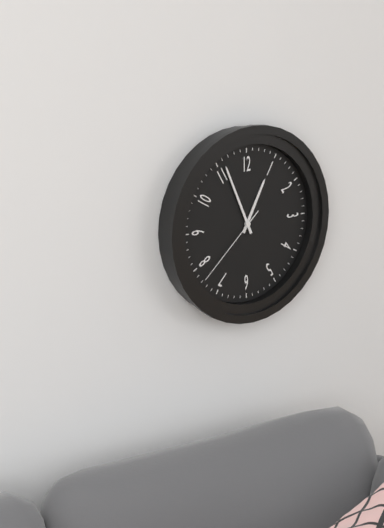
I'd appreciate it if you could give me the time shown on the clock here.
12:56:38
